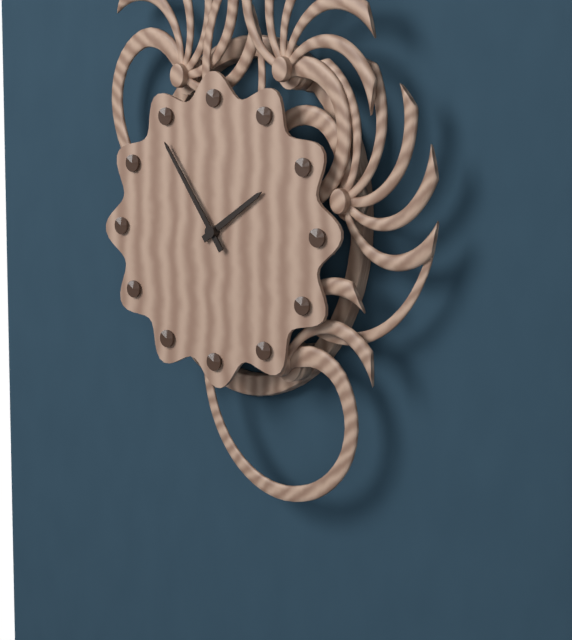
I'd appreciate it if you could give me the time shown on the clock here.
1:54
